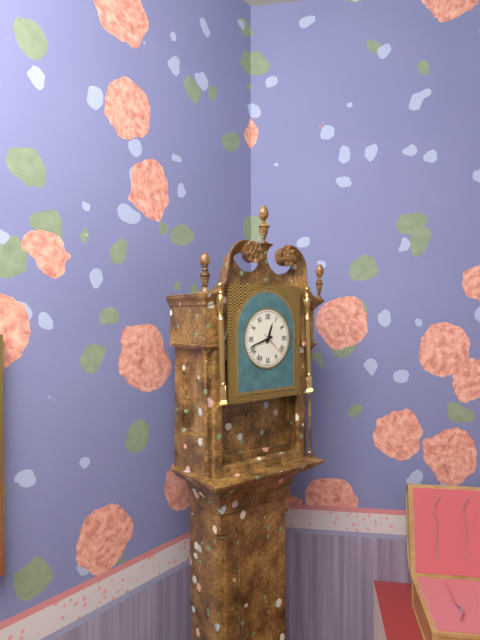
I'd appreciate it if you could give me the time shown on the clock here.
12:42
